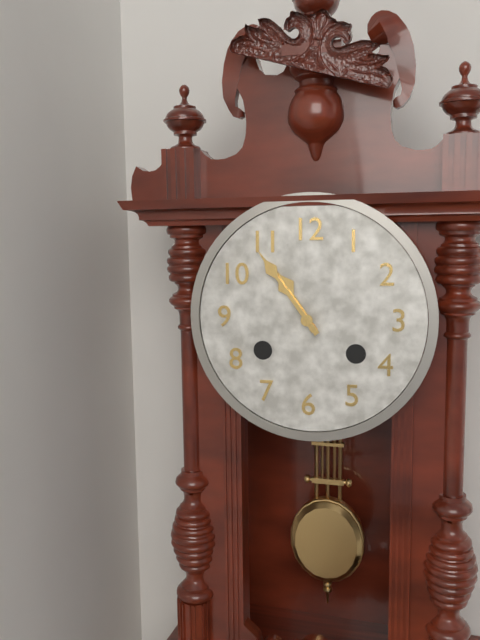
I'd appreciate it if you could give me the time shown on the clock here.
10:54
